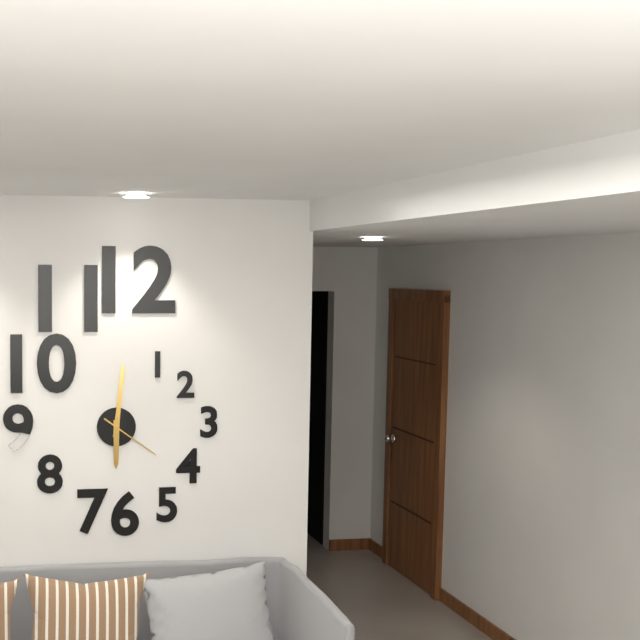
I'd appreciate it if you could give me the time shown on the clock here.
6:01:21
